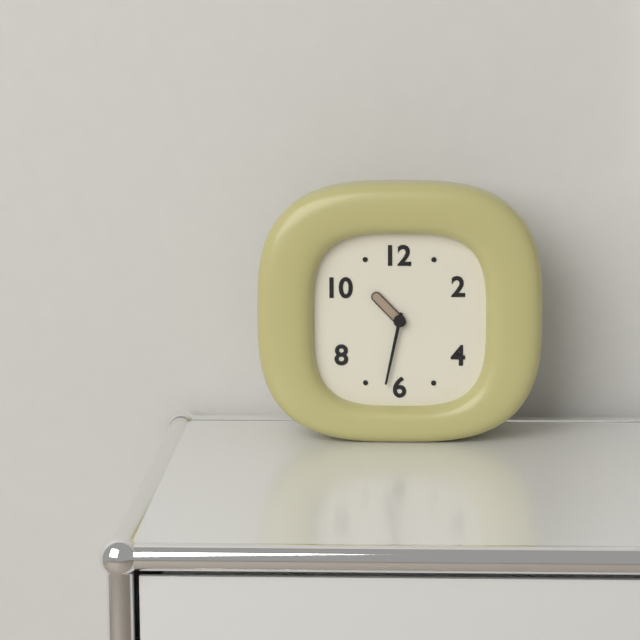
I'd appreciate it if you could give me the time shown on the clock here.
10:32
